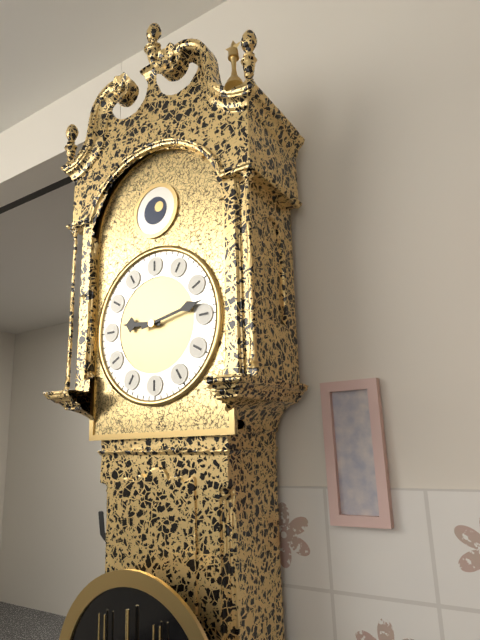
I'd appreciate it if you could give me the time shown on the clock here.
9:13
